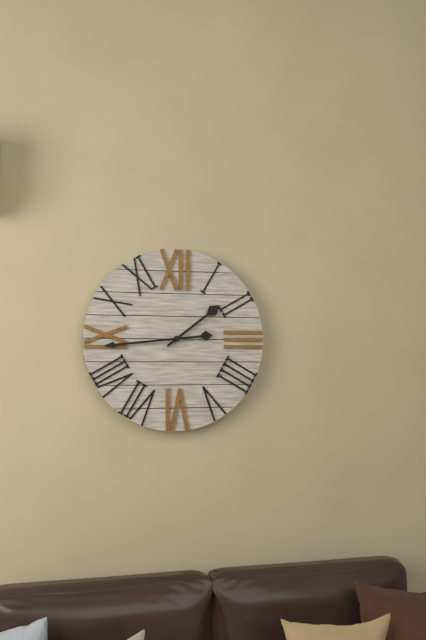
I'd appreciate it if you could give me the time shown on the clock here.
1:44
